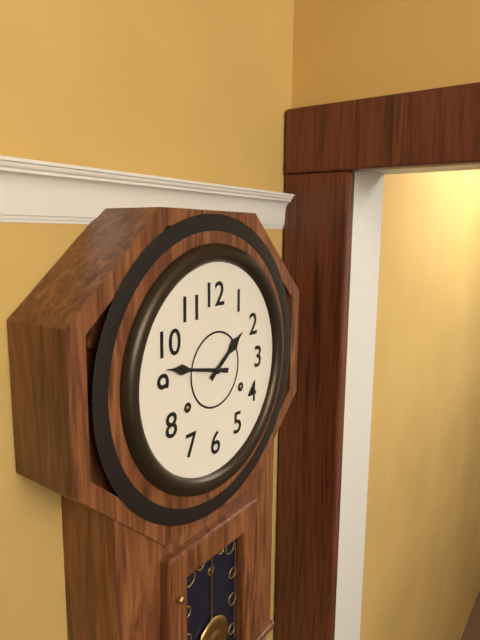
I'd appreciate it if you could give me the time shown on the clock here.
1:47
